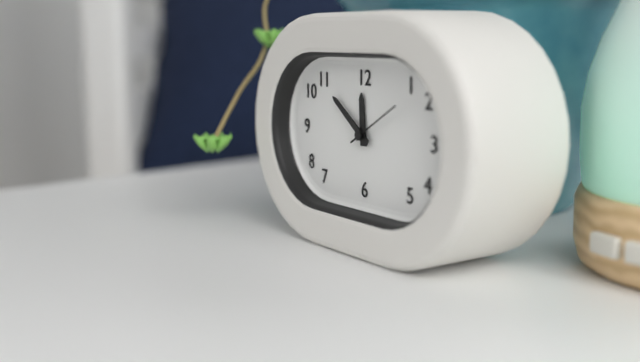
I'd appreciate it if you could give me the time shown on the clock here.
11:51
